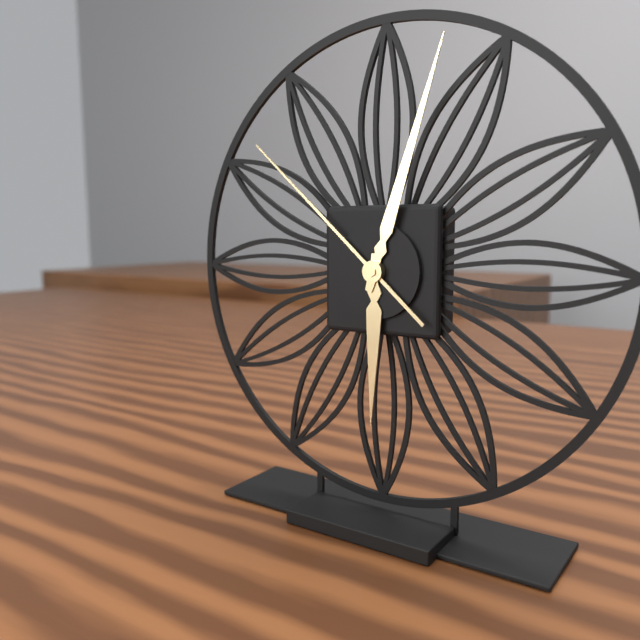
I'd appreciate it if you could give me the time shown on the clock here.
6:03:52
